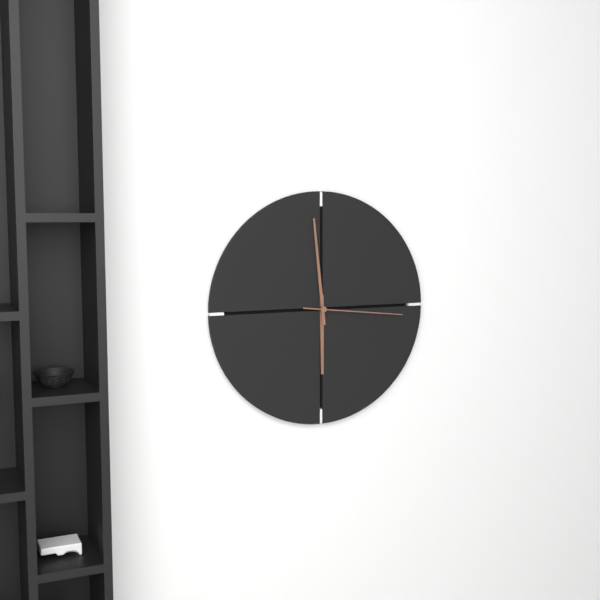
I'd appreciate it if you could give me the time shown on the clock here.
5:59:16
